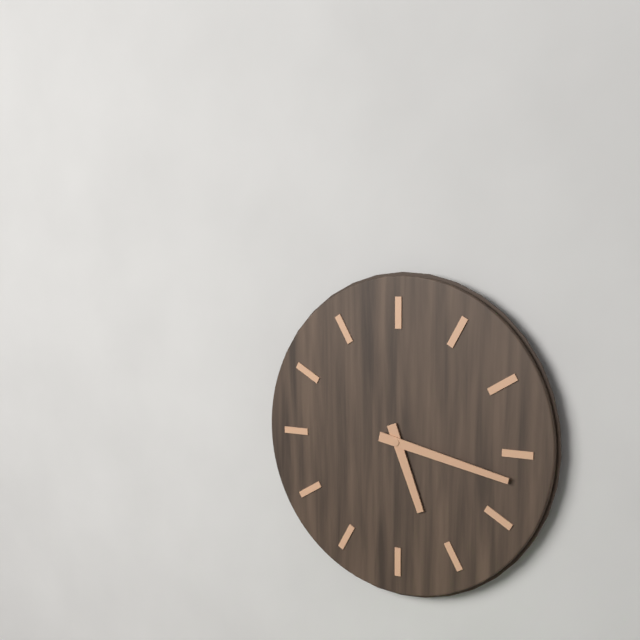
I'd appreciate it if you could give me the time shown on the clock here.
5:17
